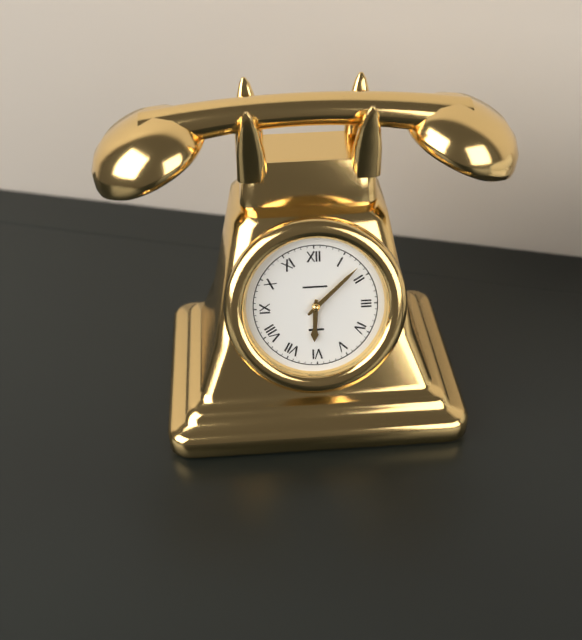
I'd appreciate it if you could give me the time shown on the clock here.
6:08
